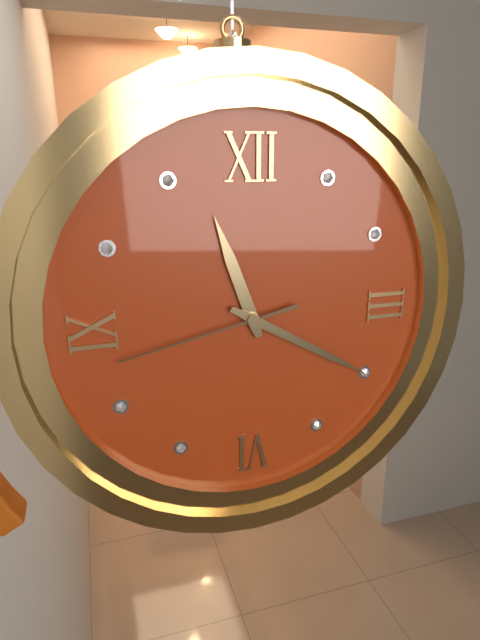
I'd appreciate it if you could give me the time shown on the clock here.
11:20:43
